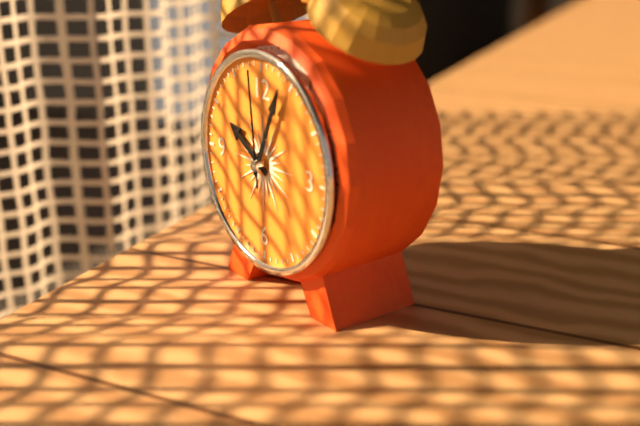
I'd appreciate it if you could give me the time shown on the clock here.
10:04:59
